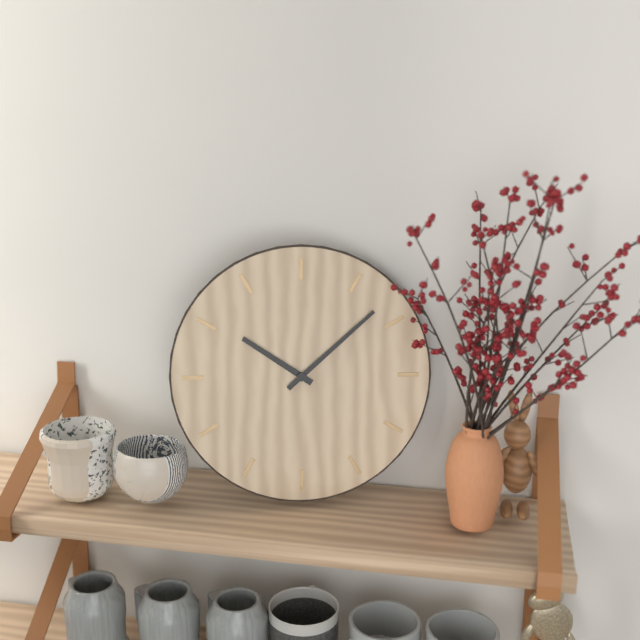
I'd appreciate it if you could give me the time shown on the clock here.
10:08
